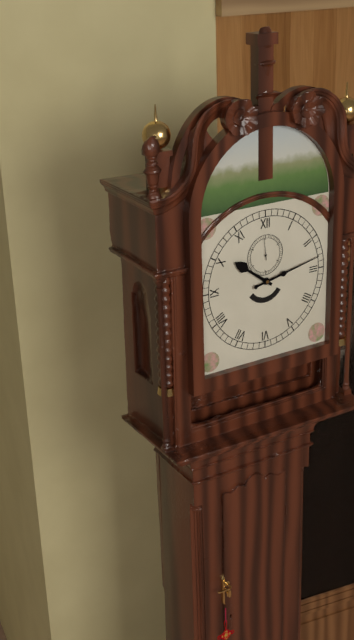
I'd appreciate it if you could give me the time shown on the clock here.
10:13
